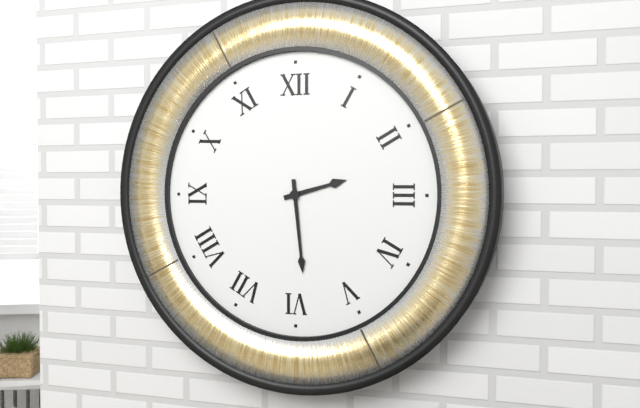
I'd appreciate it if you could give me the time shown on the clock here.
2:29
